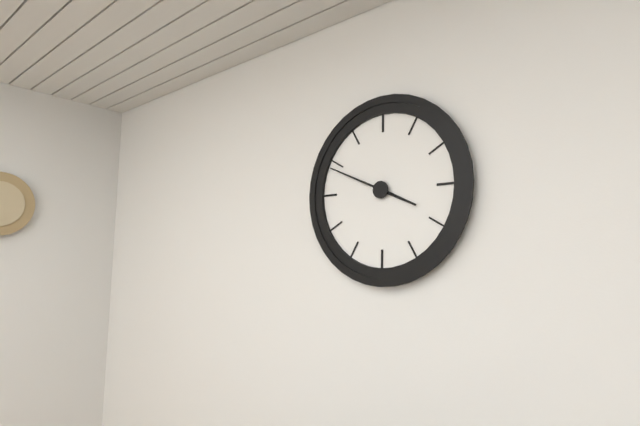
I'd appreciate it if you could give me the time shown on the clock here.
3:49
